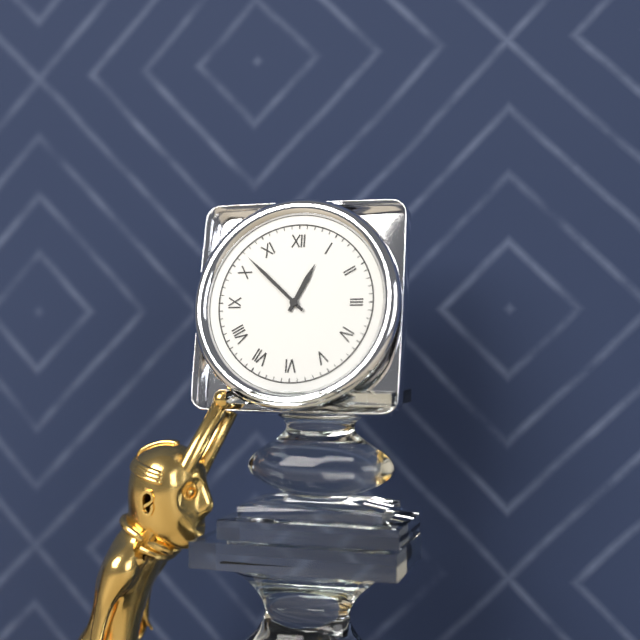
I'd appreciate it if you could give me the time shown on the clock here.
12:52
